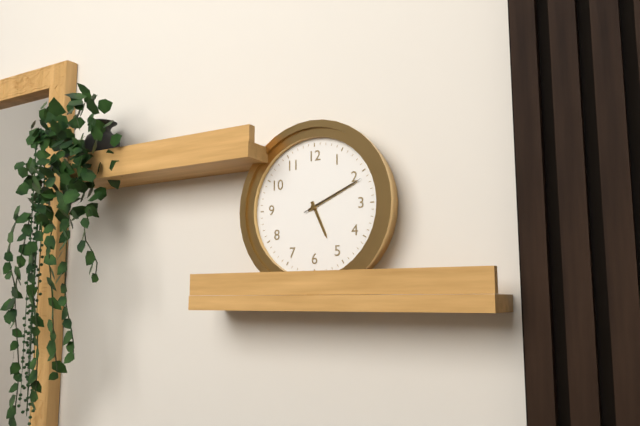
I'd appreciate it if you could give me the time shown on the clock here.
5:11:11
